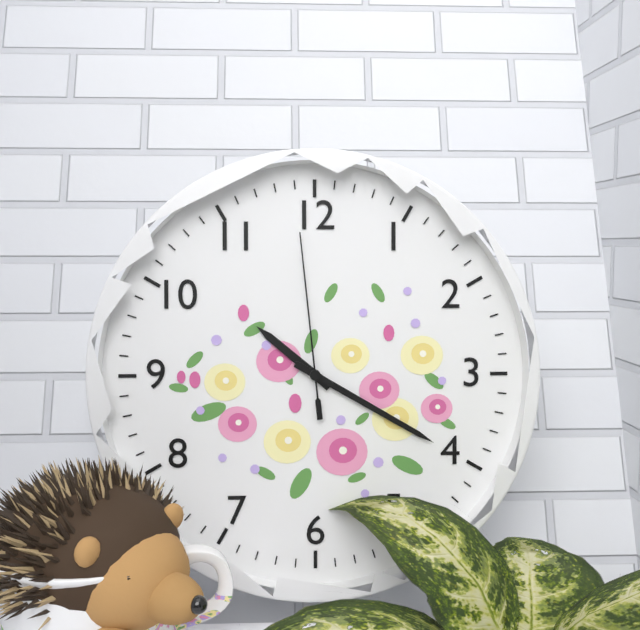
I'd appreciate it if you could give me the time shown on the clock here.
10:20:59
